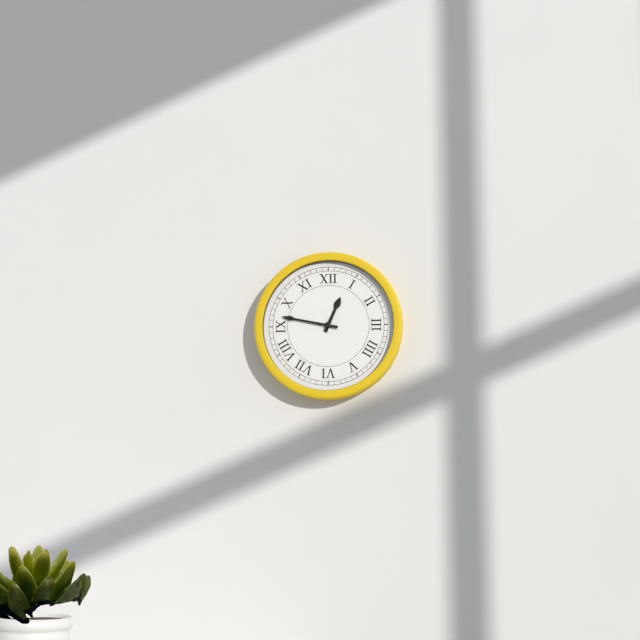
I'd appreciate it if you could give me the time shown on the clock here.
12:47
